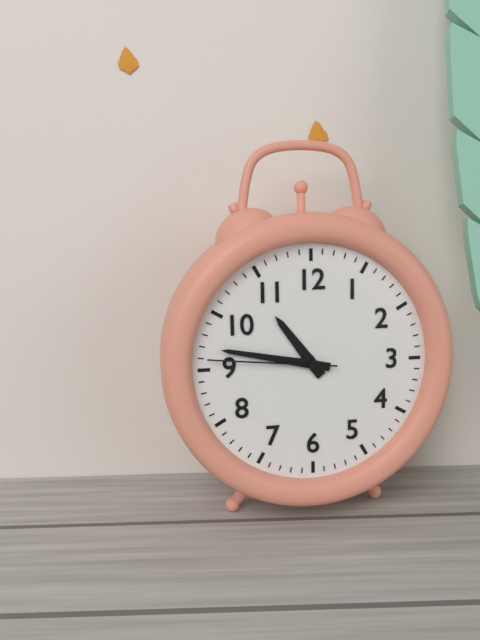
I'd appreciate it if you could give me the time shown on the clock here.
10:47:46
